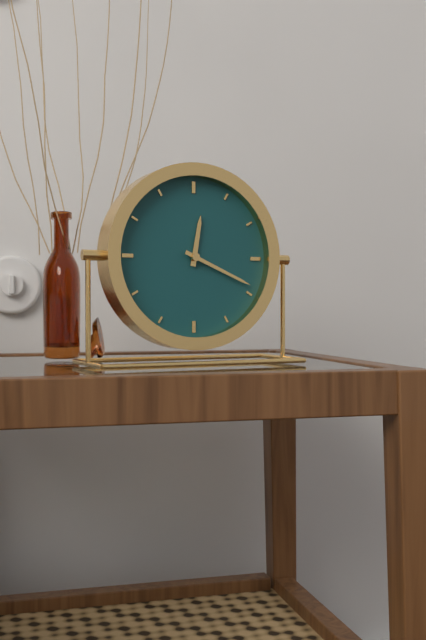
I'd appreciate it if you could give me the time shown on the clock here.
12:19
